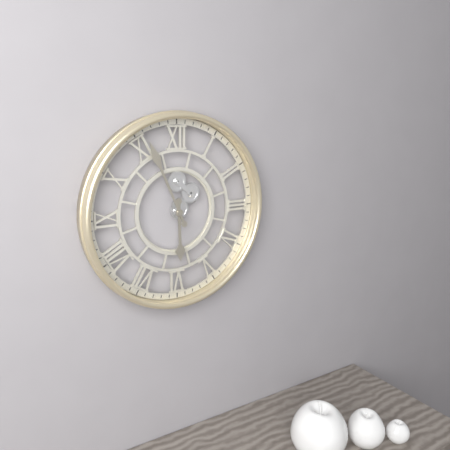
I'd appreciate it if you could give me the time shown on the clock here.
5:56
